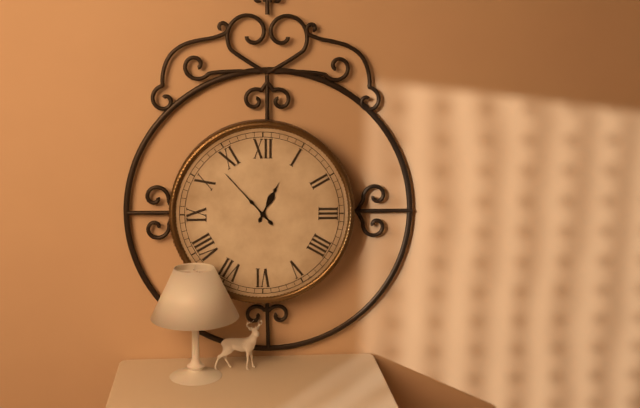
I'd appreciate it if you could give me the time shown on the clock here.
12:53
